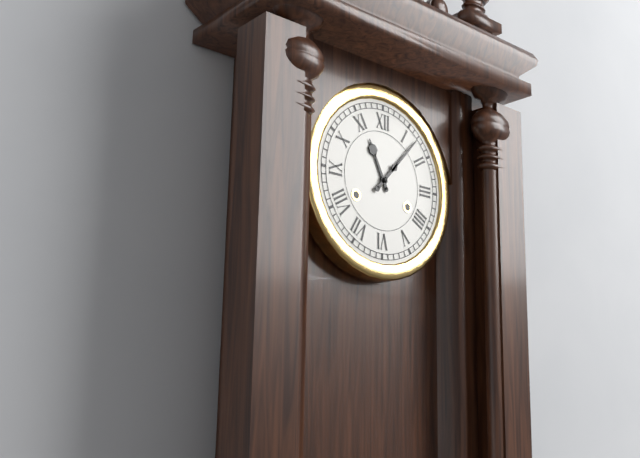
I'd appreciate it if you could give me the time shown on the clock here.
11:07
